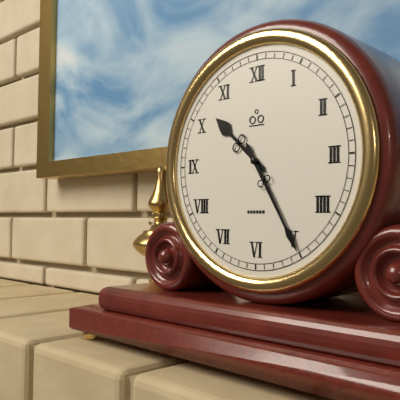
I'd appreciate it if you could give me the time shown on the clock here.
10:25
